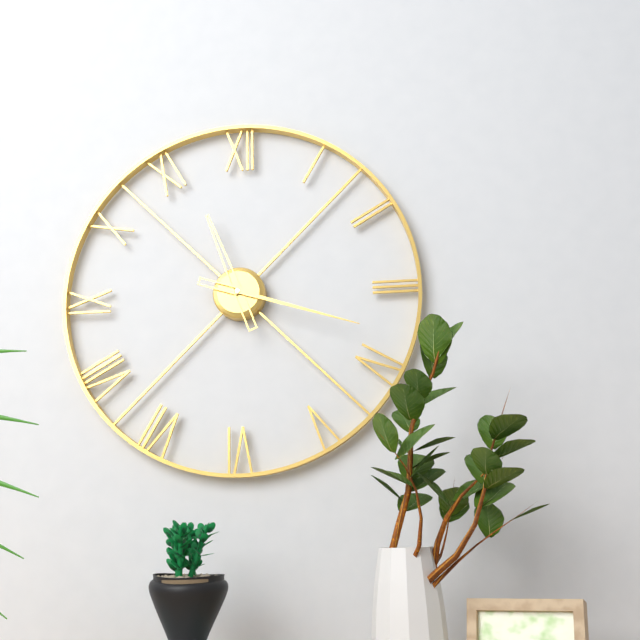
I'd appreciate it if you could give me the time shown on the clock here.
11:18
